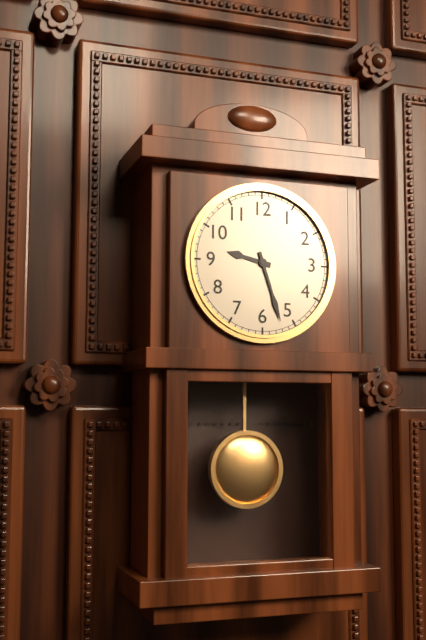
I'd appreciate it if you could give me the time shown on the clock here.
9:27
